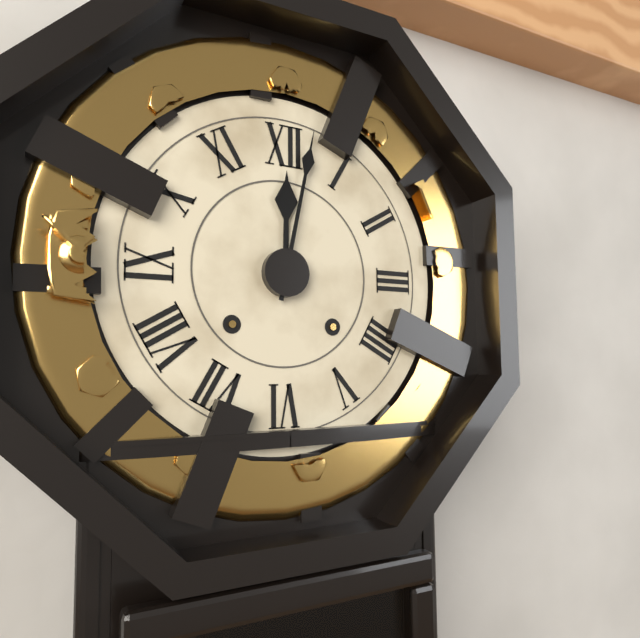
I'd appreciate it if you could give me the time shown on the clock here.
12:02
